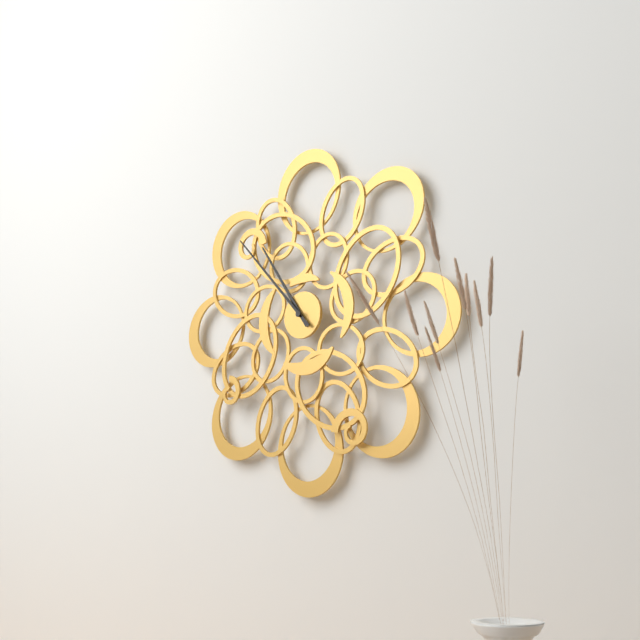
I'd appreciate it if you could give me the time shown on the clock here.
10:53
